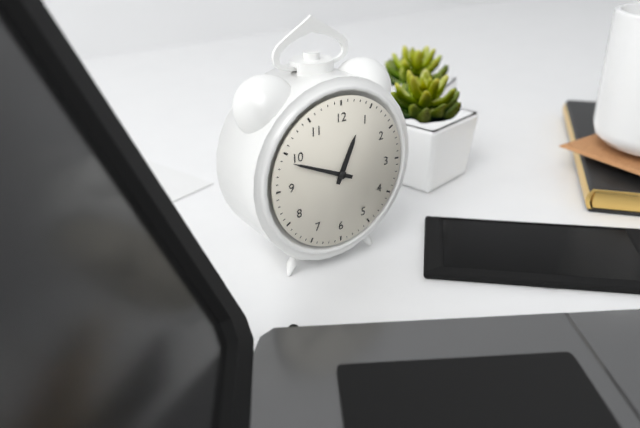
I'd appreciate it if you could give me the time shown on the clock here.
12:49
